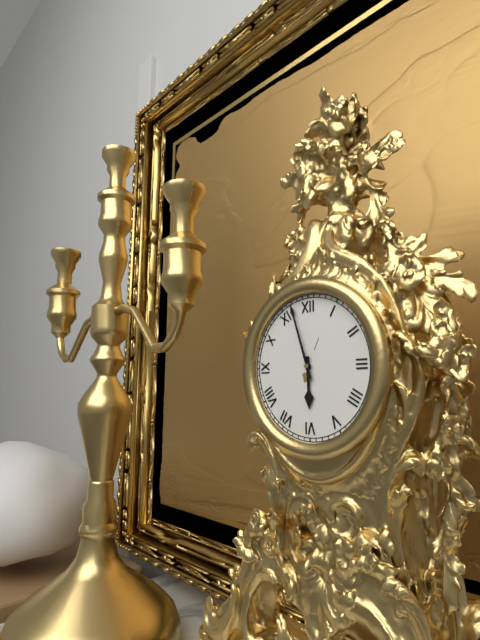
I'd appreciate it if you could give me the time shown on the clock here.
5:57
